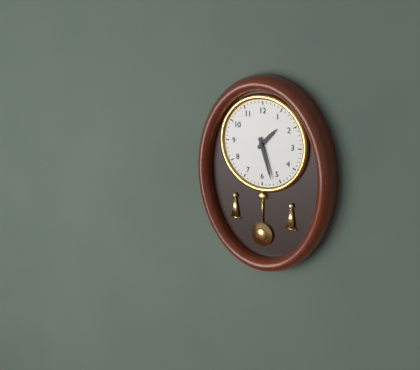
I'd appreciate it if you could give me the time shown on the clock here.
1:27
